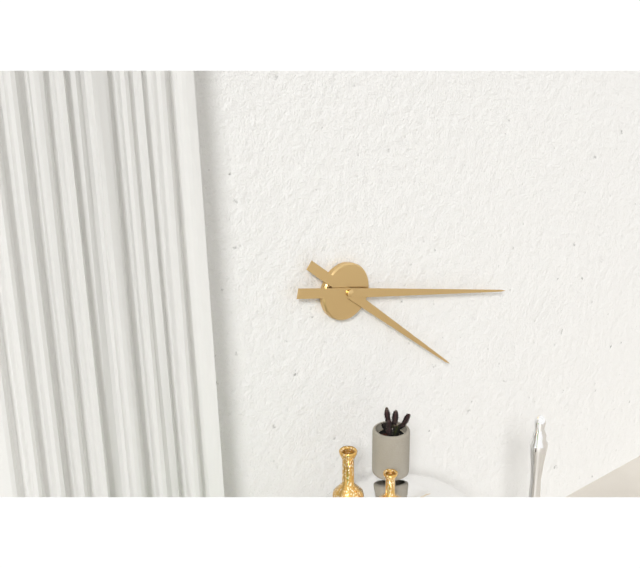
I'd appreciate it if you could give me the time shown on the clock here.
4:17
